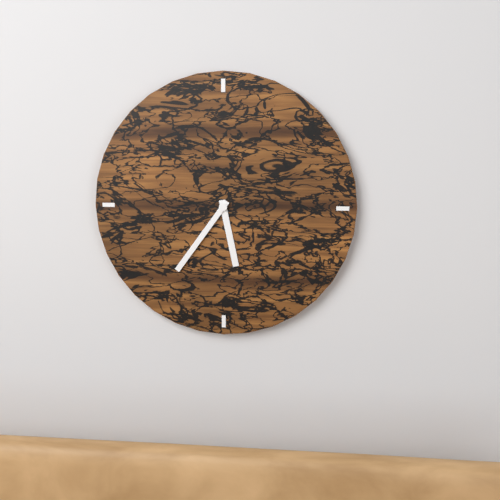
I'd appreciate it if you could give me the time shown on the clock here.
5:36
